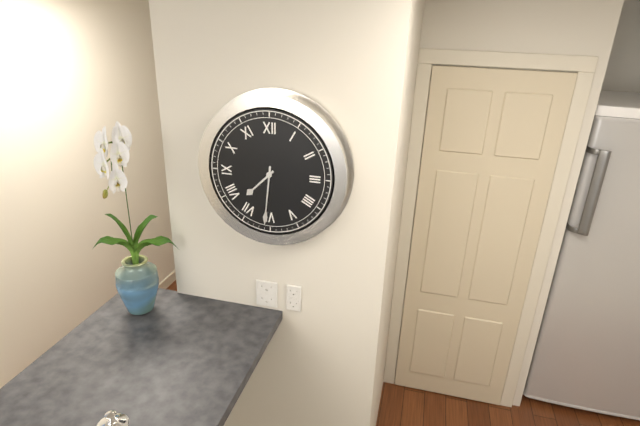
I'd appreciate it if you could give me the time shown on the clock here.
7:31
